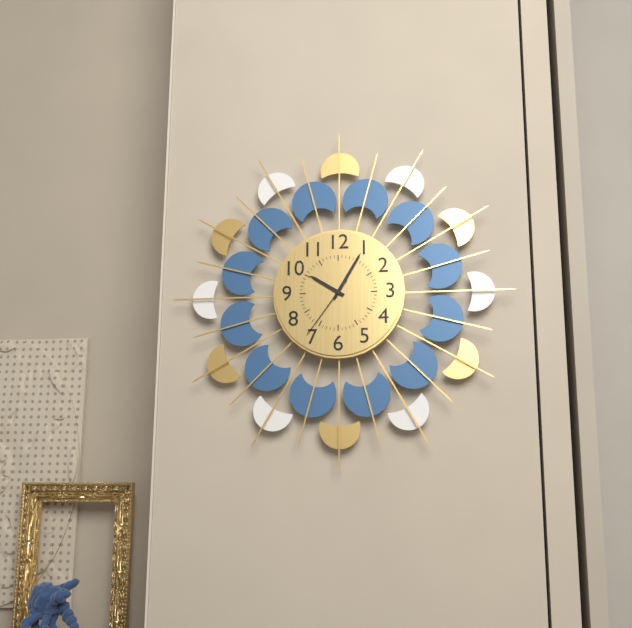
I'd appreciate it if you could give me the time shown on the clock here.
10:05:36
